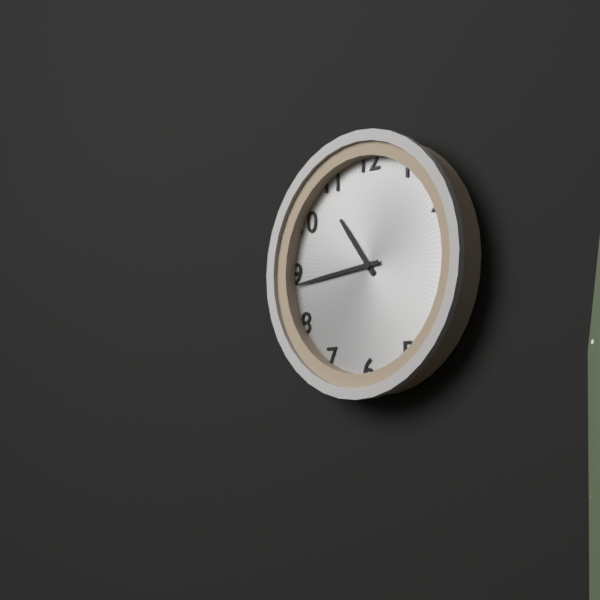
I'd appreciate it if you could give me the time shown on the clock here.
10:44
